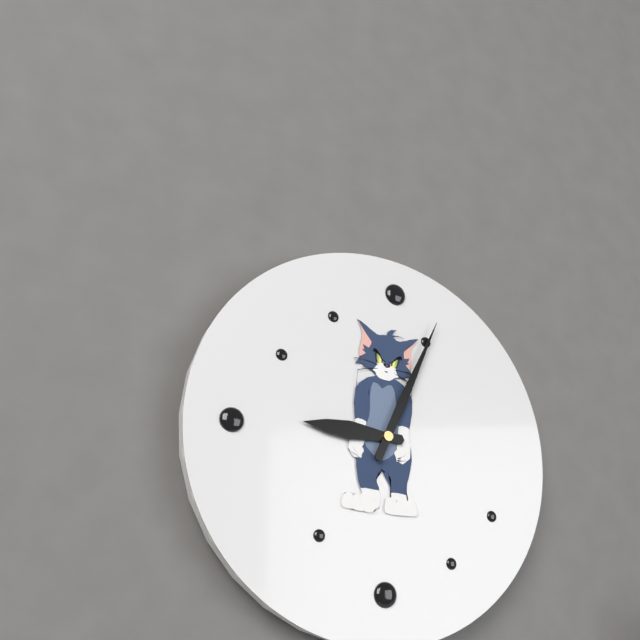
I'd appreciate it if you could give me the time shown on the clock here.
9:04
